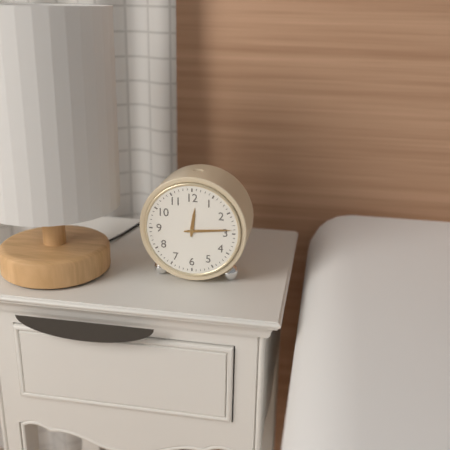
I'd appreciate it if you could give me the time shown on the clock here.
12:14
